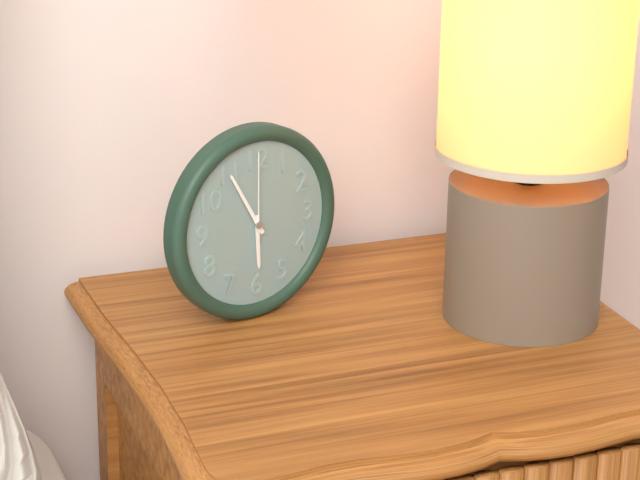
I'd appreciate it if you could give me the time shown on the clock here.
5:55:00
